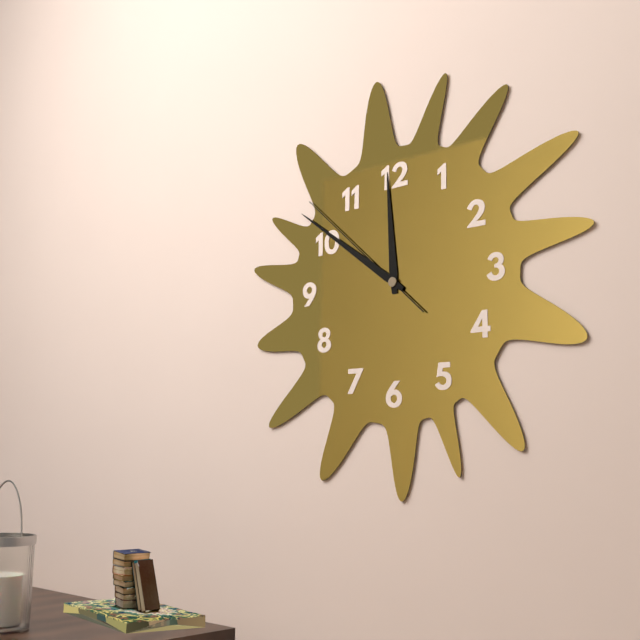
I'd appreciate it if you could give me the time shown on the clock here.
11:51:52
